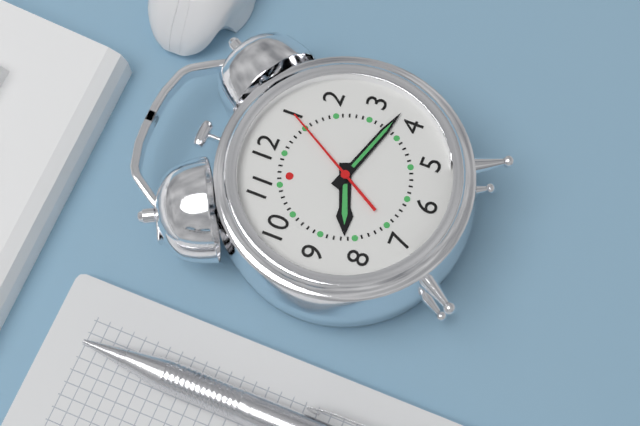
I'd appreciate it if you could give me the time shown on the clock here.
8:18:05
